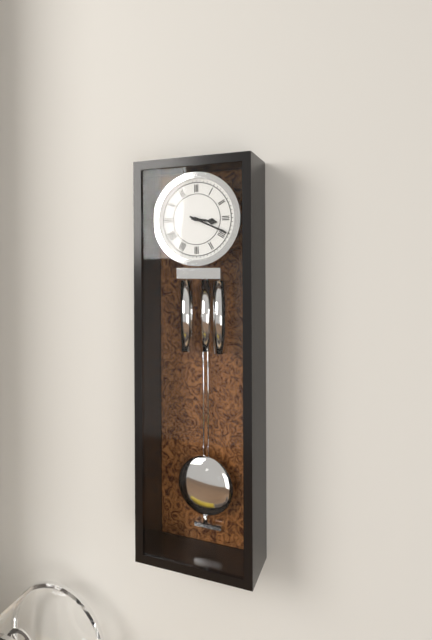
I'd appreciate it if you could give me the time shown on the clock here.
3:19
